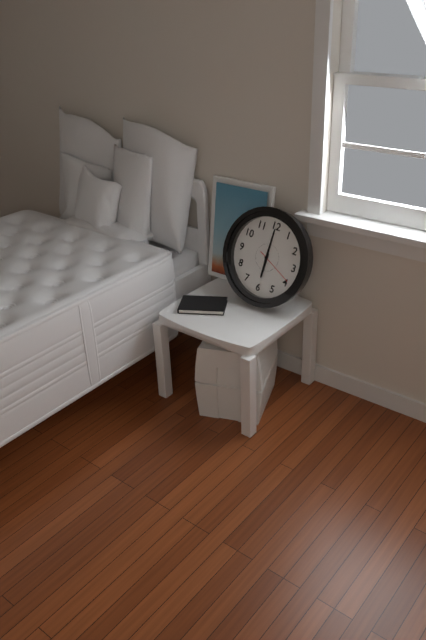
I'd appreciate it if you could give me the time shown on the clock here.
6:00
